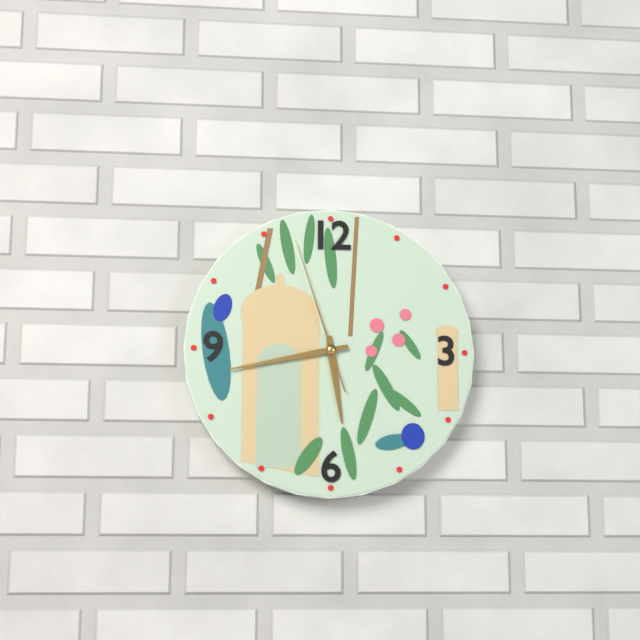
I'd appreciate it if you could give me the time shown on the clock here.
5:43:57
